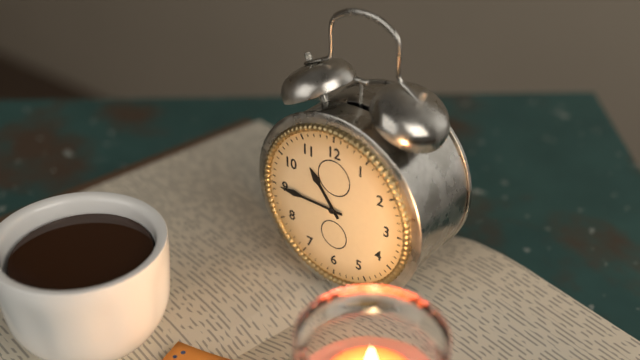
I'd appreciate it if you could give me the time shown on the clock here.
10:45
